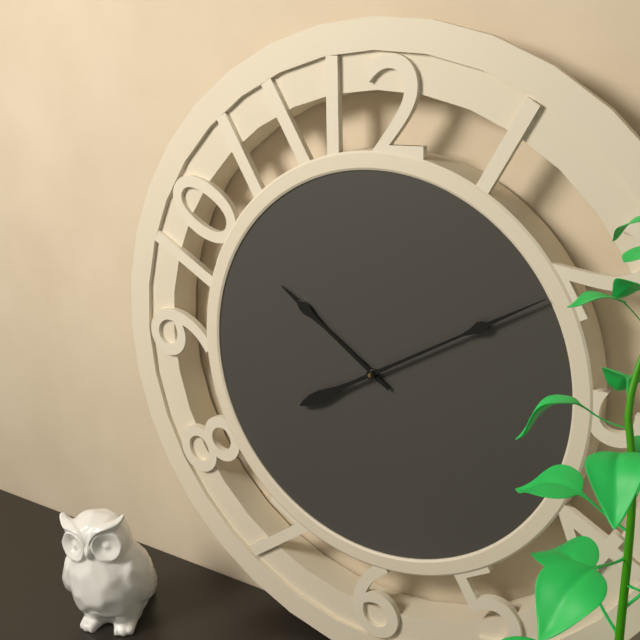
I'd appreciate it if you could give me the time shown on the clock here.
10:10
